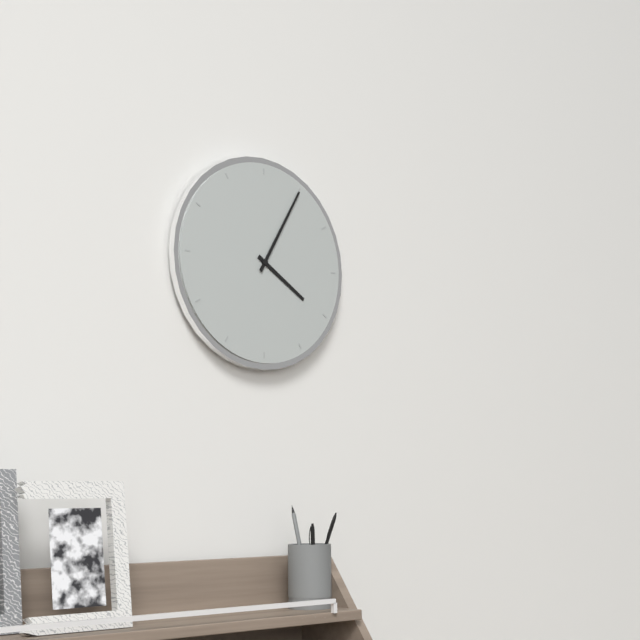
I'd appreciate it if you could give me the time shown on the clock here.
4:05
